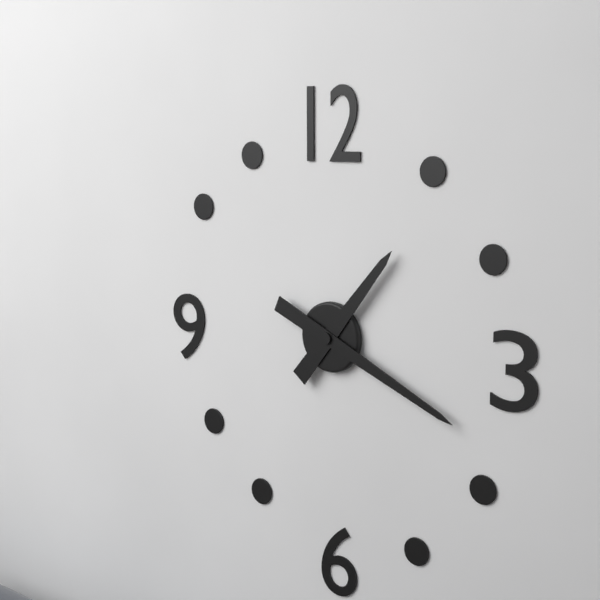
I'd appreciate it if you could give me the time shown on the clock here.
1:19
